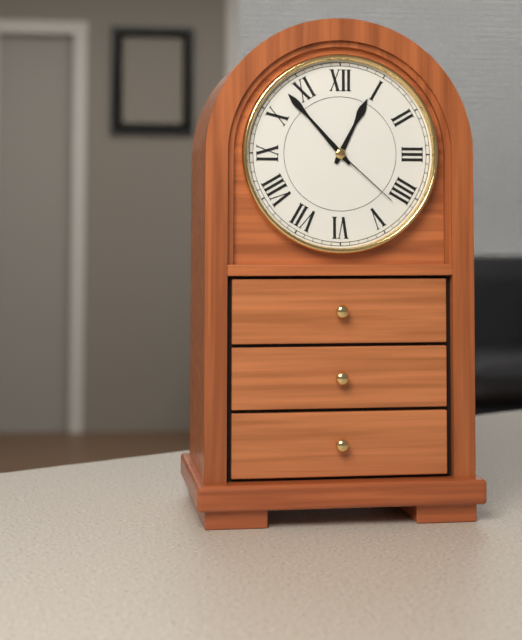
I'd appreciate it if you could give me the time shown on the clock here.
12:53:22
